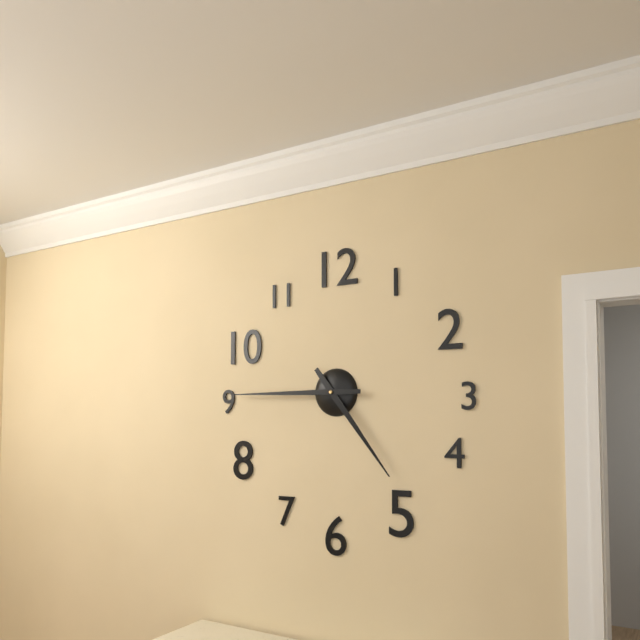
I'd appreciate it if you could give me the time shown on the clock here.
4:45
